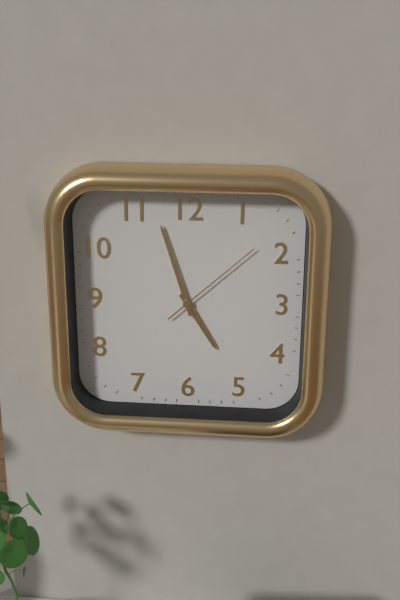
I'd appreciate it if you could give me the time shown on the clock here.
4:57:08
